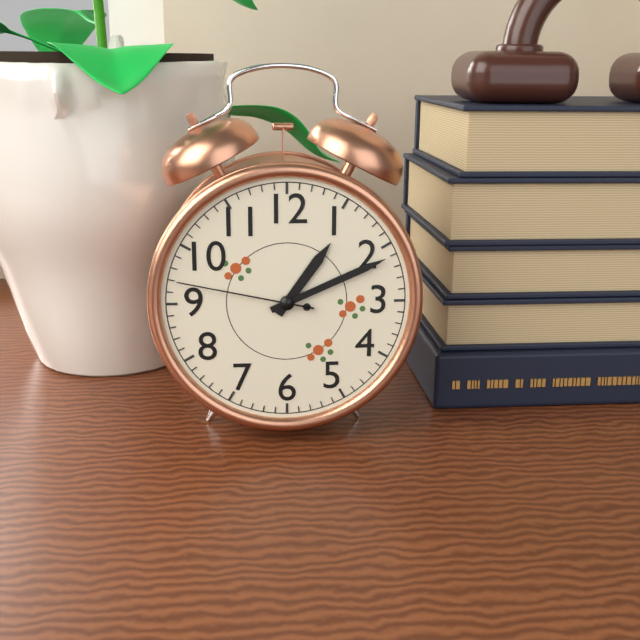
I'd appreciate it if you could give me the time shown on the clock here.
1:11:47
